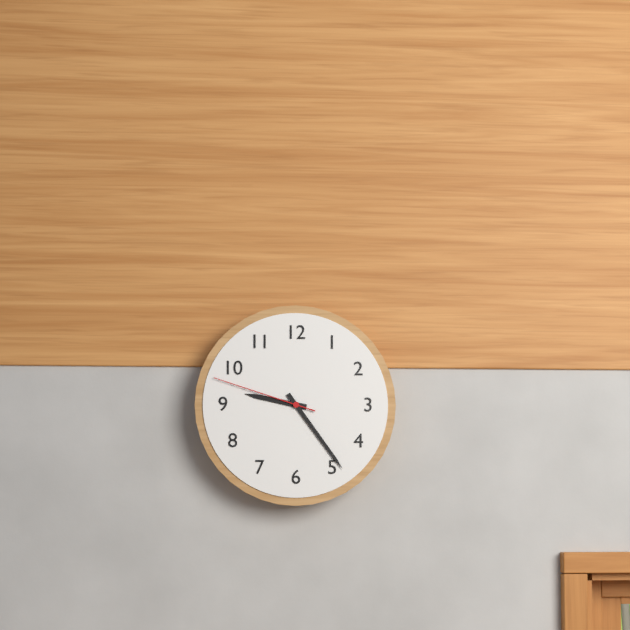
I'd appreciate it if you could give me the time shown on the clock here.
9:24:48
